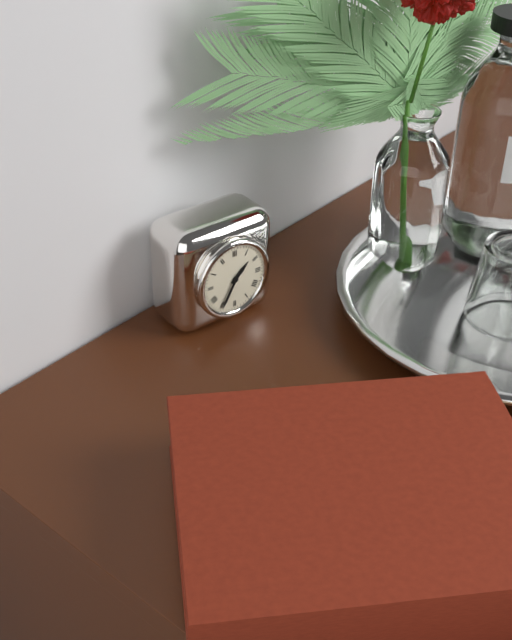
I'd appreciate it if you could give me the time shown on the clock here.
1:35
